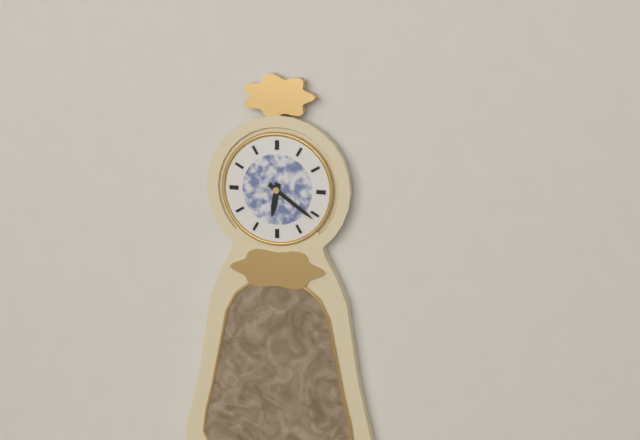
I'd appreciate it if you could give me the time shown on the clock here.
6:21
